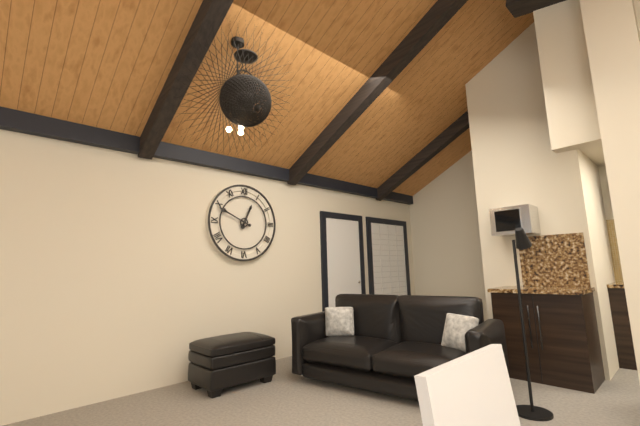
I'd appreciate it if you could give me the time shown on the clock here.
12:49
